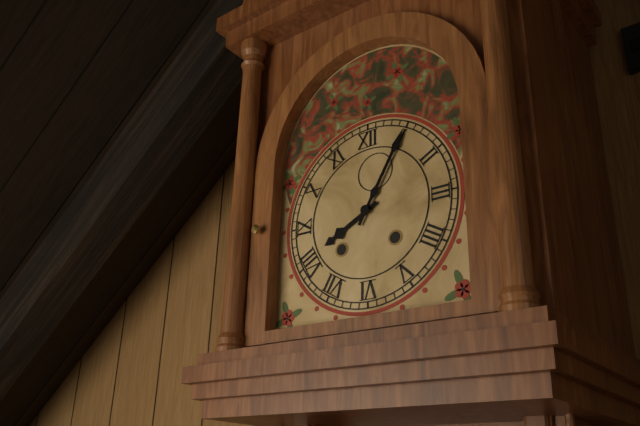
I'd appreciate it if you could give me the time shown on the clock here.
8:05
